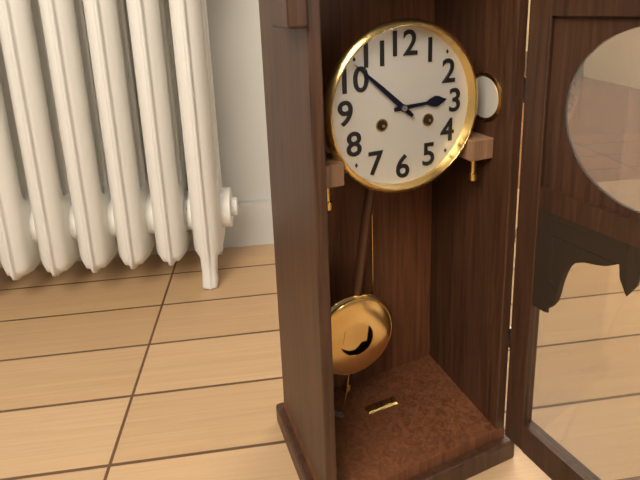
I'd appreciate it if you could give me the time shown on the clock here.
2:52
